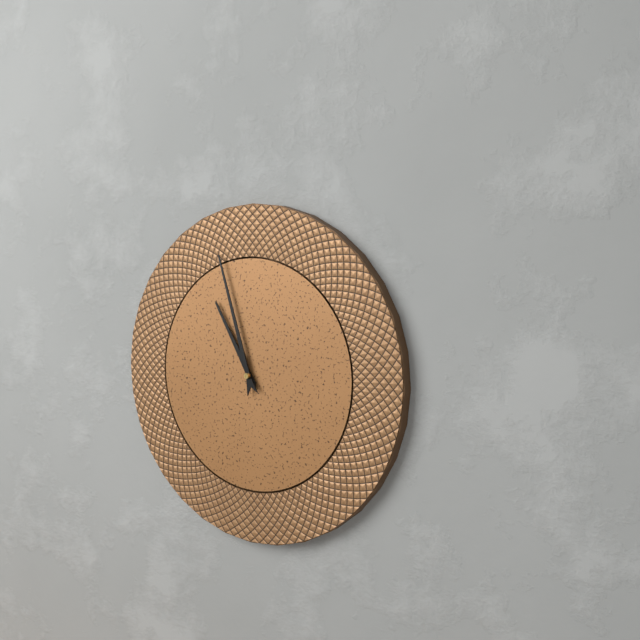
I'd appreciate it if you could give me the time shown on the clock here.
10:57
